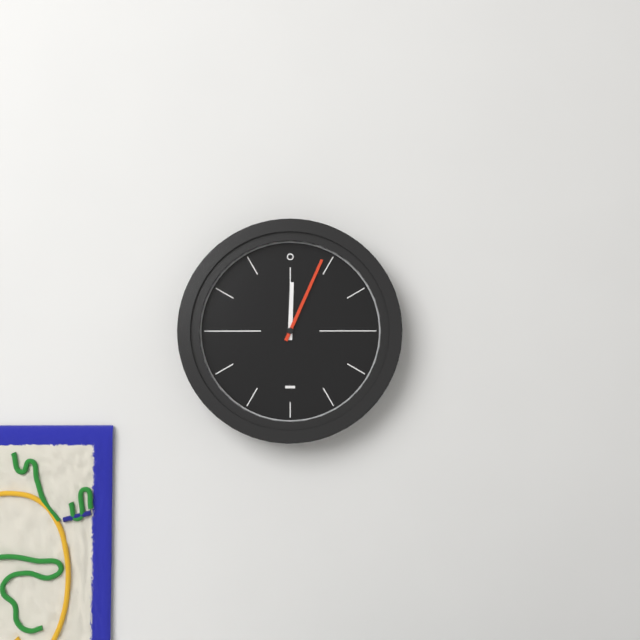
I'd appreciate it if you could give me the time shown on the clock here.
12:04
